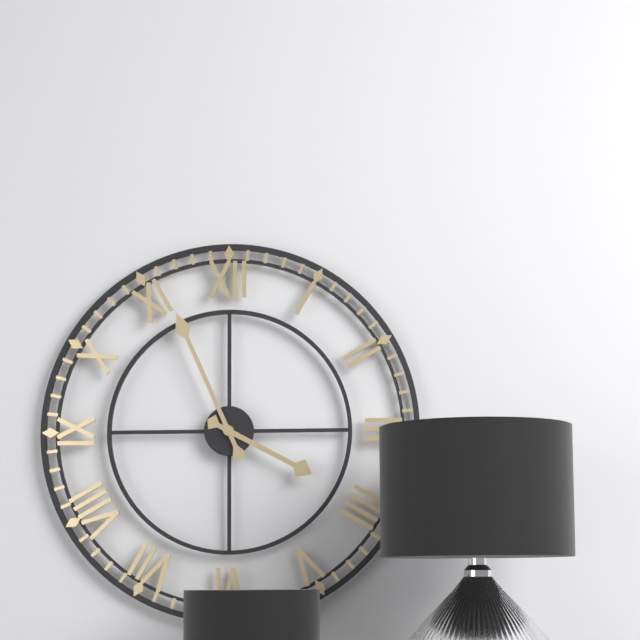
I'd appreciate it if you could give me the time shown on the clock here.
3:56
